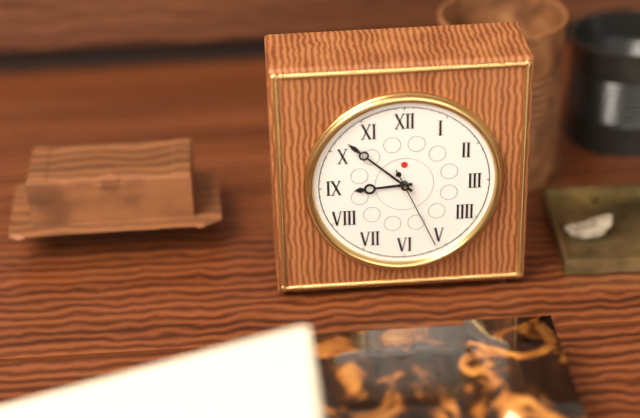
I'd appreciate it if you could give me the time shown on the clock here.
8:52:26
